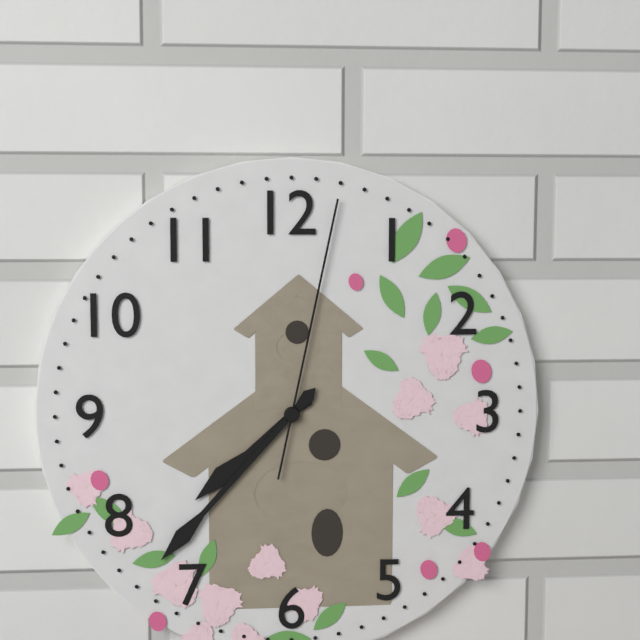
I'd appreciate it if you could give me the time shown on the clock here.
7:37:02
